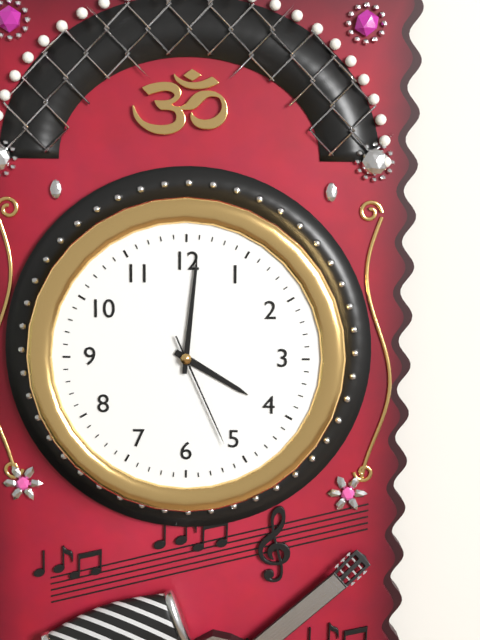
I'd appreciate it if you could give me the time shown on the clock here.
4:01:26
